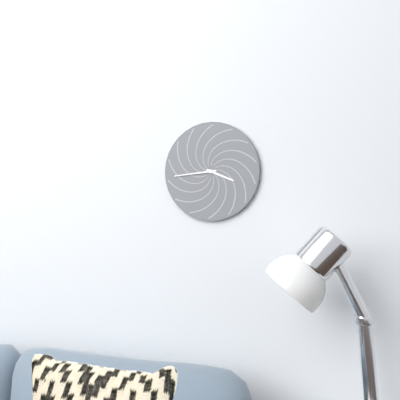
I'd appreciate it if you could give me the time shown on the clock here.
3:44
